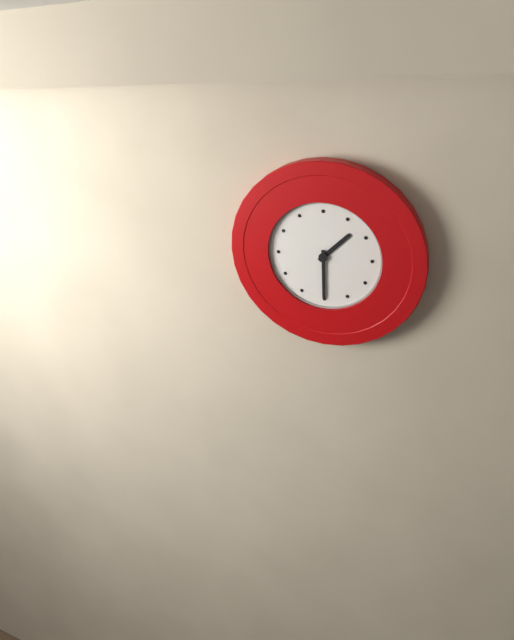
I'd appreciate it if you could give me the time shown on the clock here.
1:30
